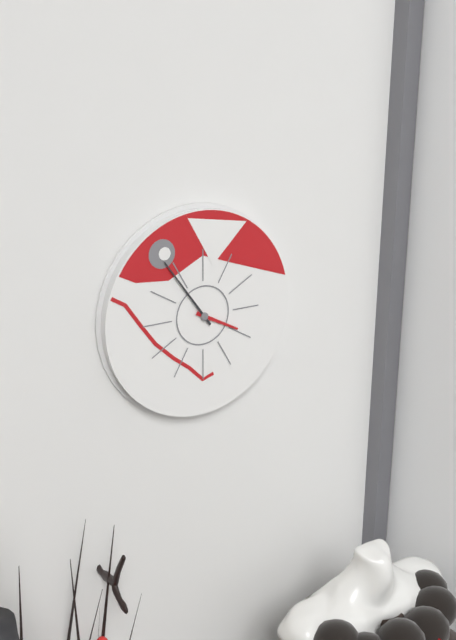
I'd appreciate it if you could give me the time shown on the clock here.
3:54
